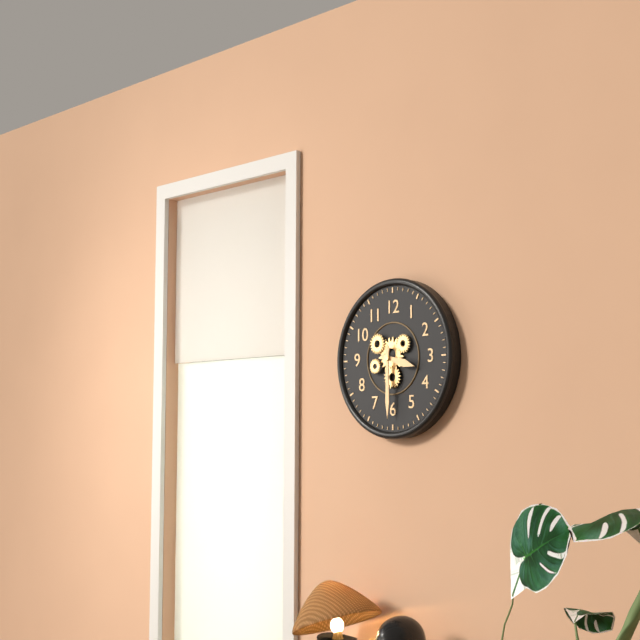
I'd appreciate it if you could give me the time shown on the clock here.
3:30
